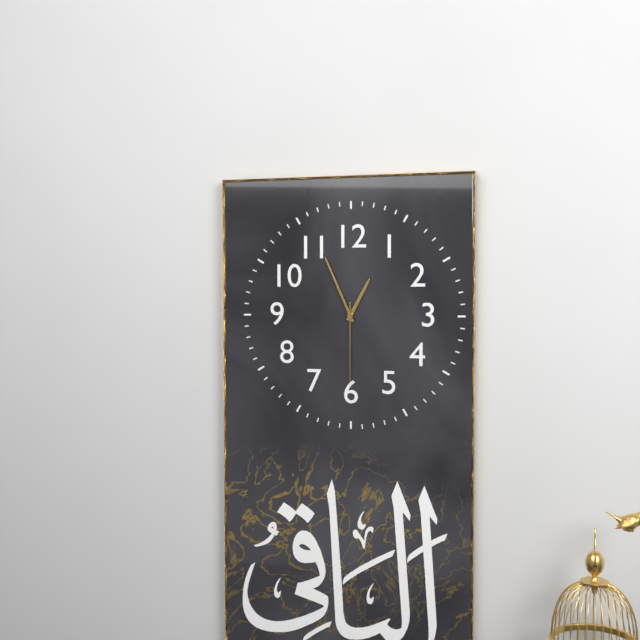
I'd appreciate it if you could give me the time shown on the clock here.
12:56:30
